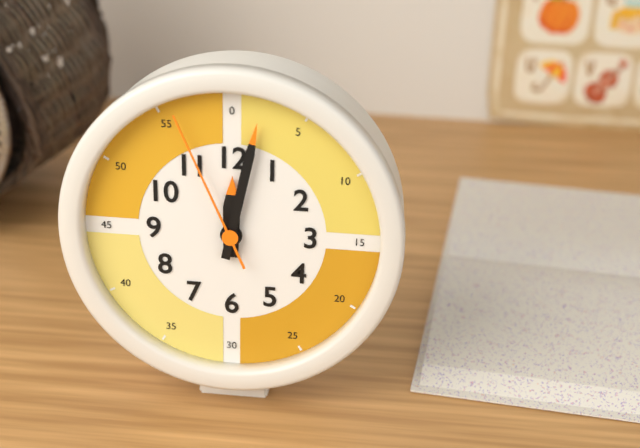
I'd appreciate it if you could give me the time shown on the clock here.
12:02:56
